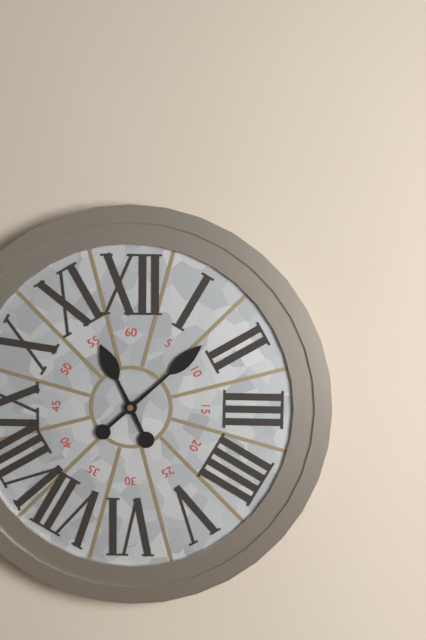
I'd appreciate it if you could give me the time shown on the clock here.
11:08
